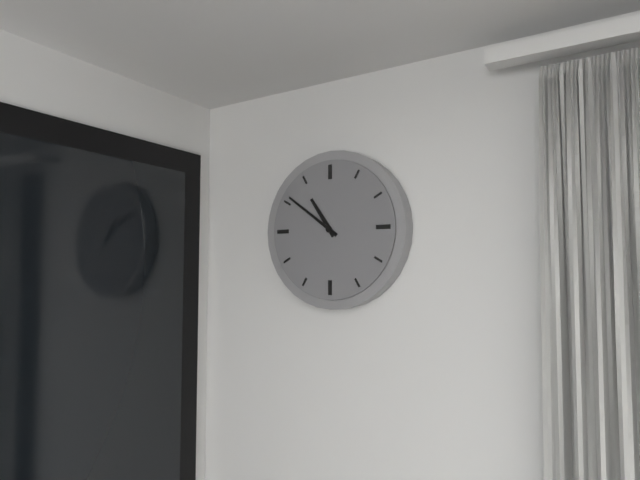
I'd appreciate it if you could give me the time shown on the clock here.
10:51
